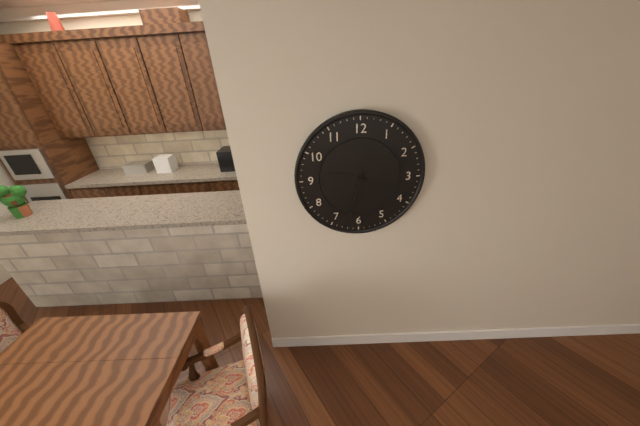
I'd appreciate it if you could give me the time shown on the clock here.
9:32
